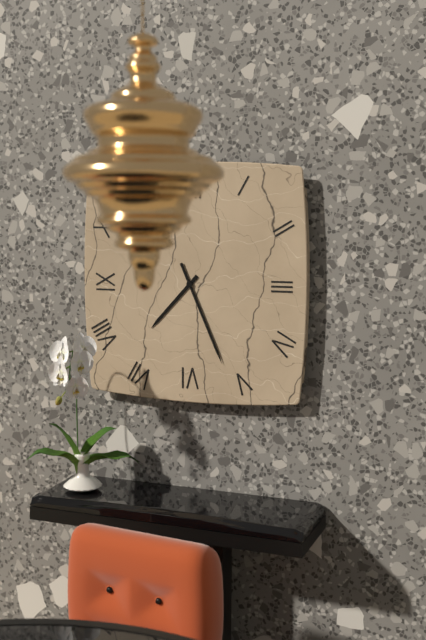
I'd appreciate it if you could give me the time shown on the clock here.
7:26
